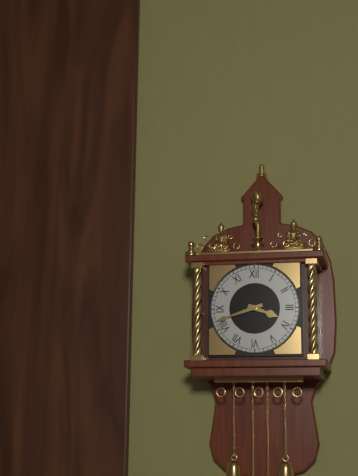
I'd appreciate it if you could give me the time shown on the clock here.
3:42
